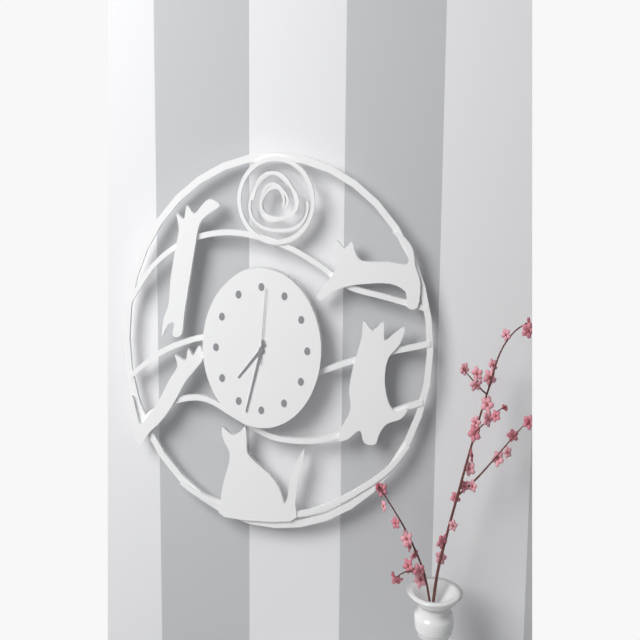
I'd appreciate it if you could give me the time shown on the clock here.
7:33:01
